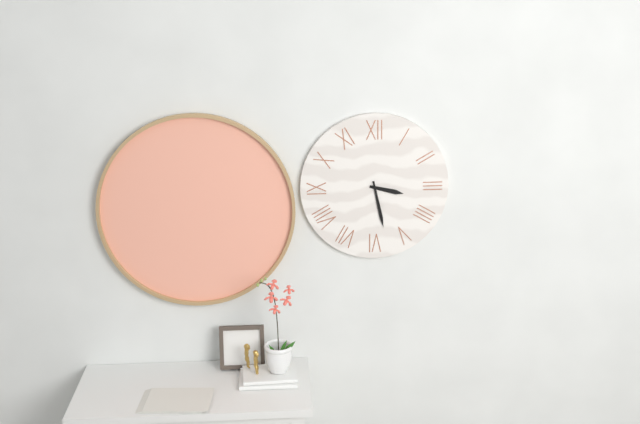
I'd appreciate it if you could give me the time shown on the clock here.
3:28
